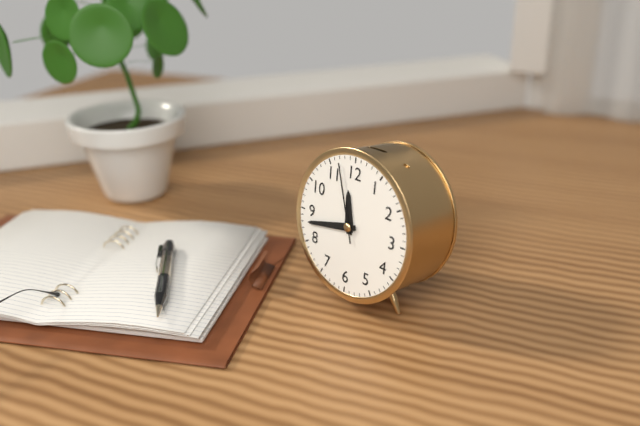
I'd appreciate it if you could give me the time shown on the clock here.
11:43:57
